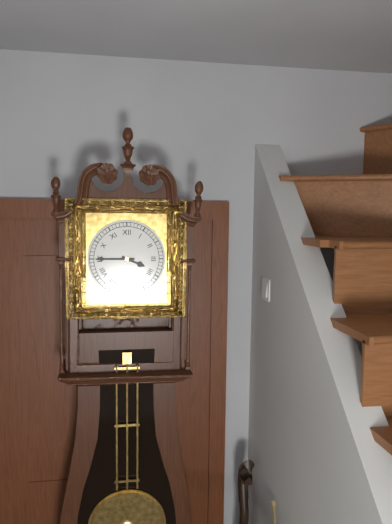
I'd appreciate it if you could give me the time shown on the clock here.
3:45
